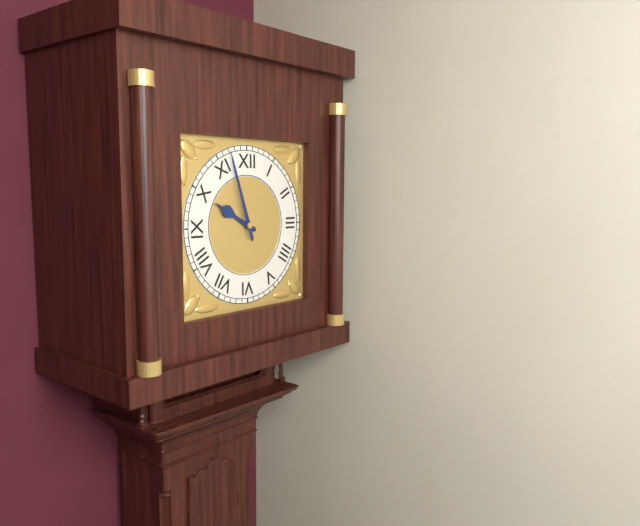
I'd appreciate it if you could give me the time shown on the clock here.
9:57
